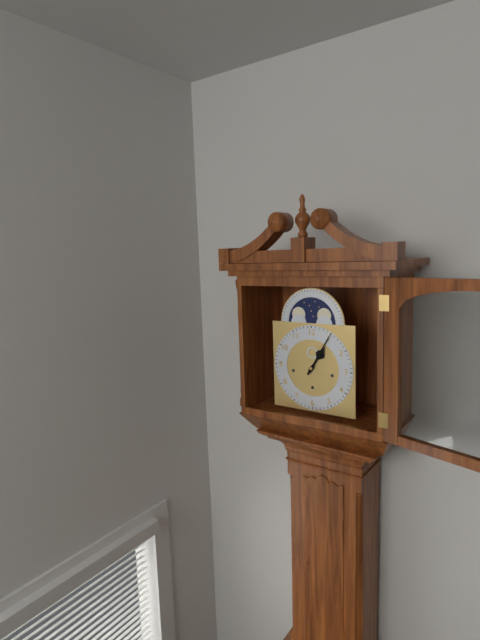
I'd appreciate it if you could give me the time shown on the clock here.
1:05
